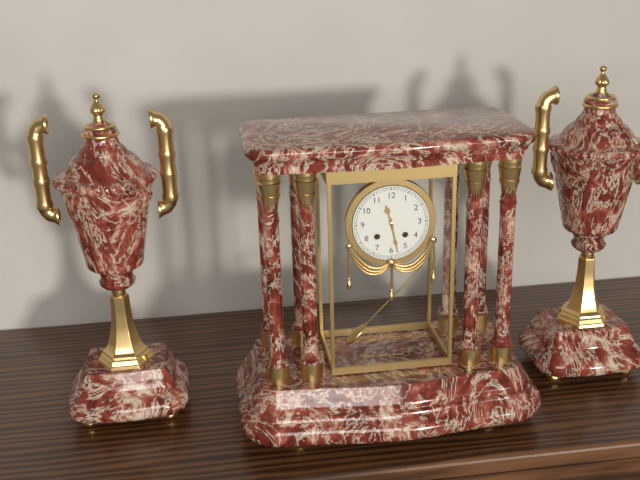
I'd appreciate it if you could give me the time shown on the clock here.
11:28
